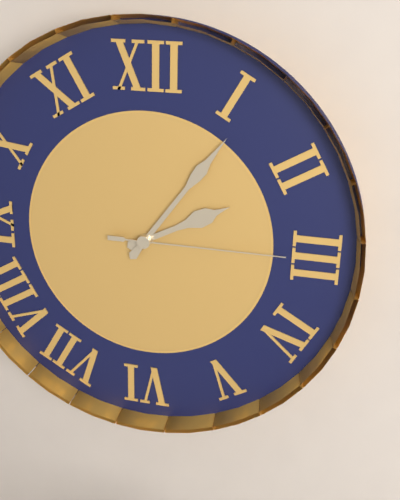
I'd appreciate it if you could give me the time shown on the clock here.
2:06:15
